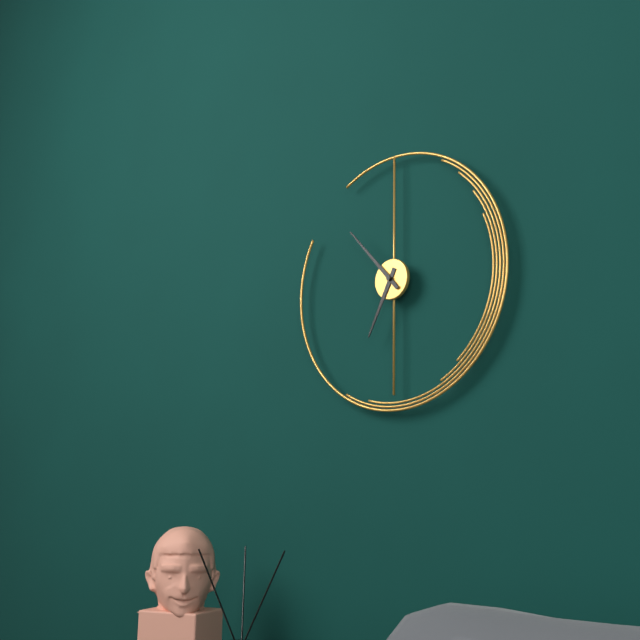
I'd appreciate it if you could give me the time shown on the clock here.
6:53
